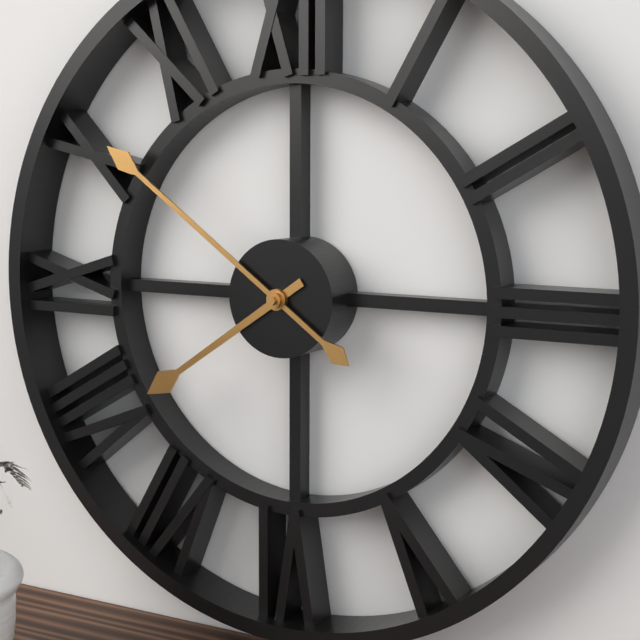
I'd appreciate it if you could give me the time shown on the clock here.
7:51
